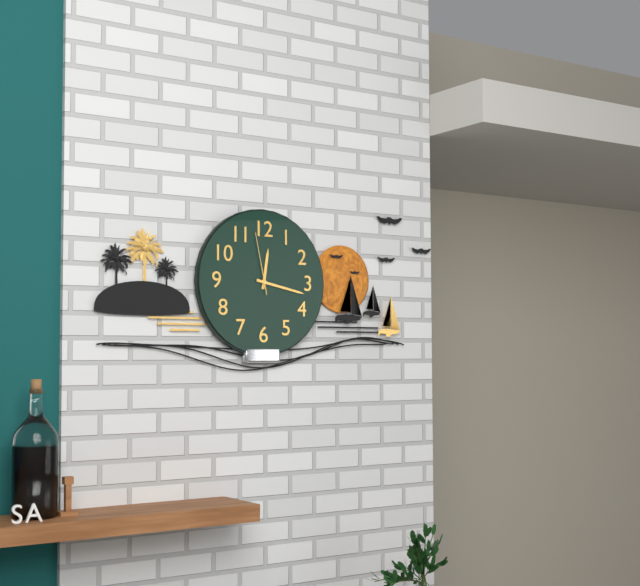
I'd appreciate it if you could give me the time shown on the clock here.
12:17:58
